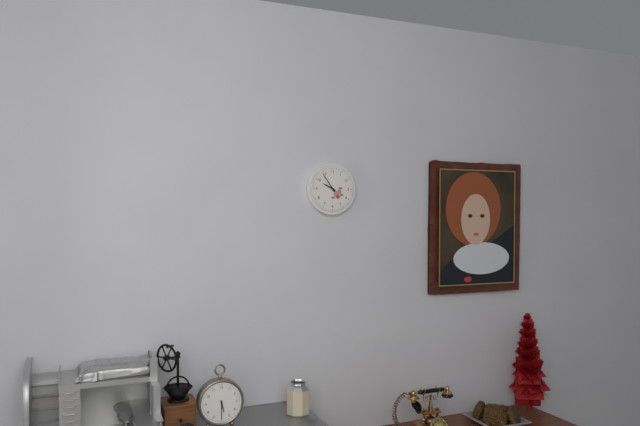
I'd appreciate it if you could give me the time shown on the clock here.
9:54
